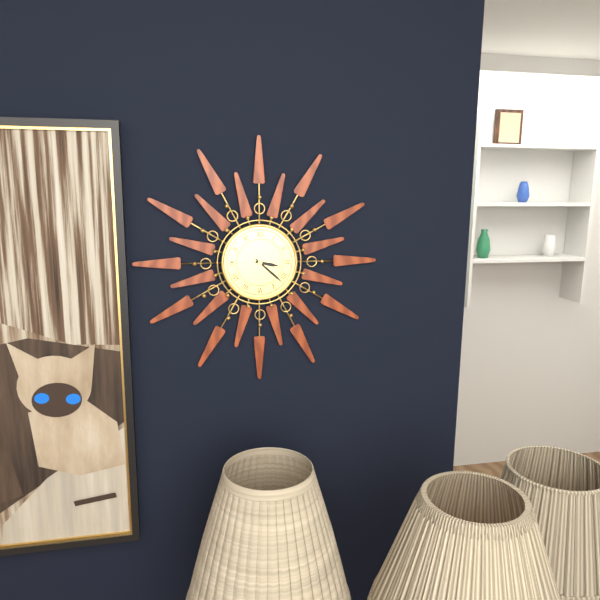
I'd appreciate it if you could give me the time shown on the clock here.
3:22
